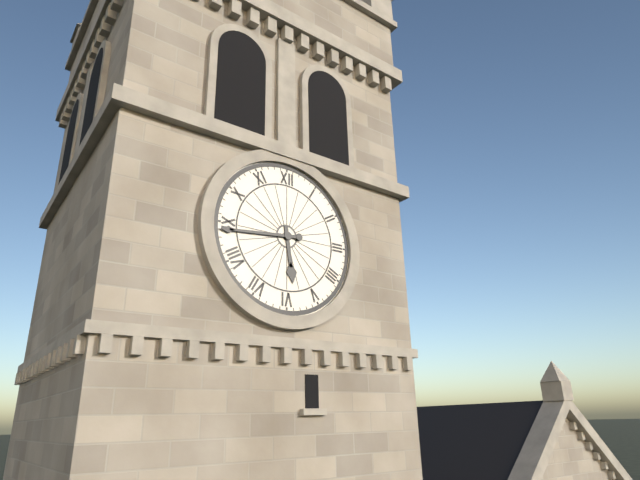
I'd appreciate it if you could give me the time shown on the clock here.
5:44
